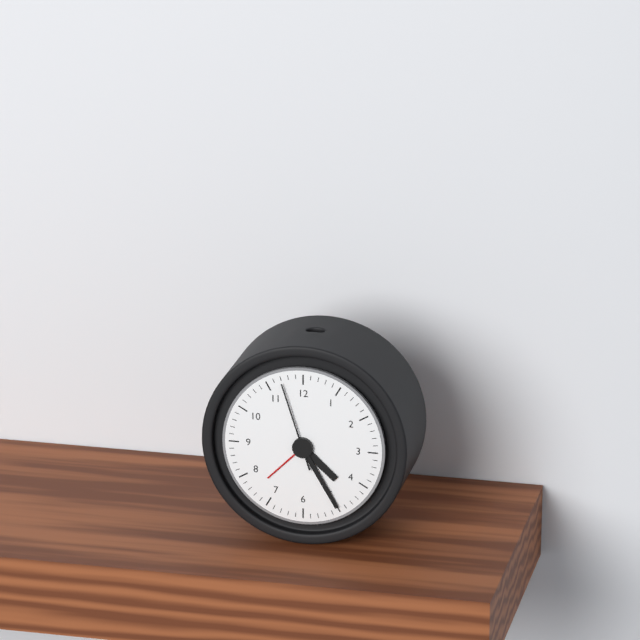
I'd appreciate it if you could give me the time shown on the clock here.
4:25:57
